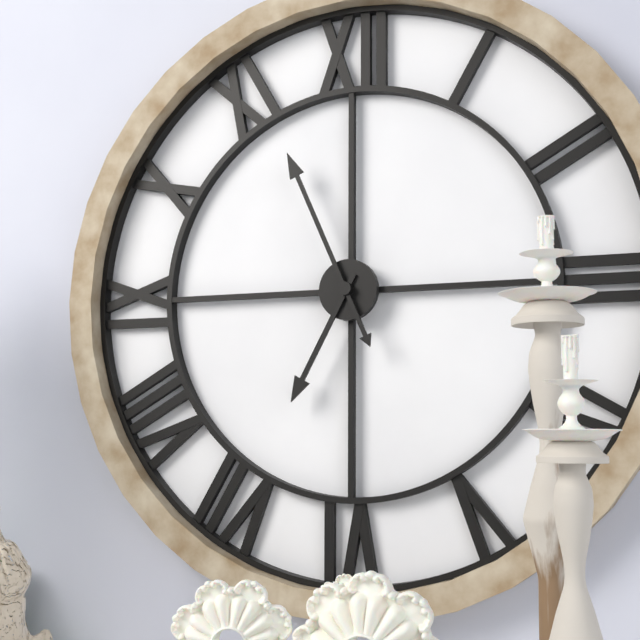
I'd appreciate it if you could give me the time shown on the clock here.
6:56
